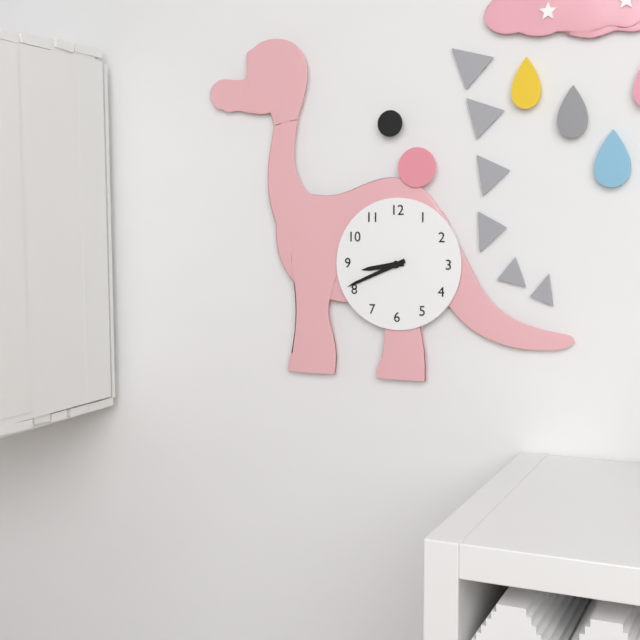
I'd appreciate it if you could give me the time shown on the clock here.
8:41
